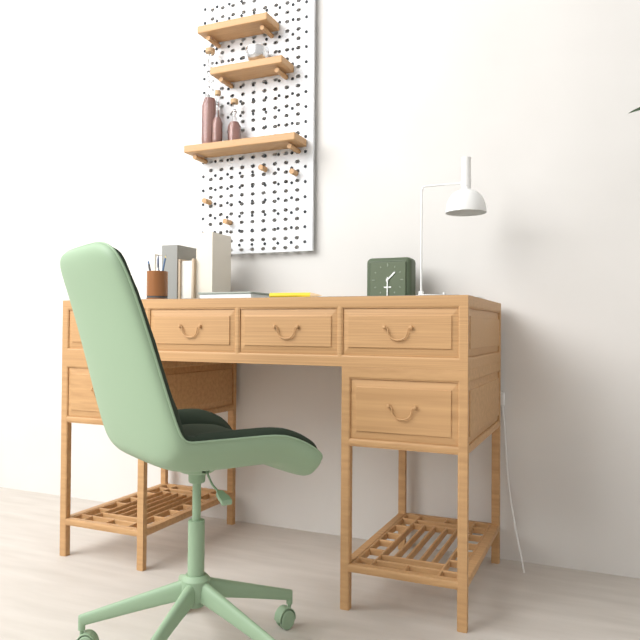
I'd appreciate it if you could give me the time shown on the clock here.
1:30
